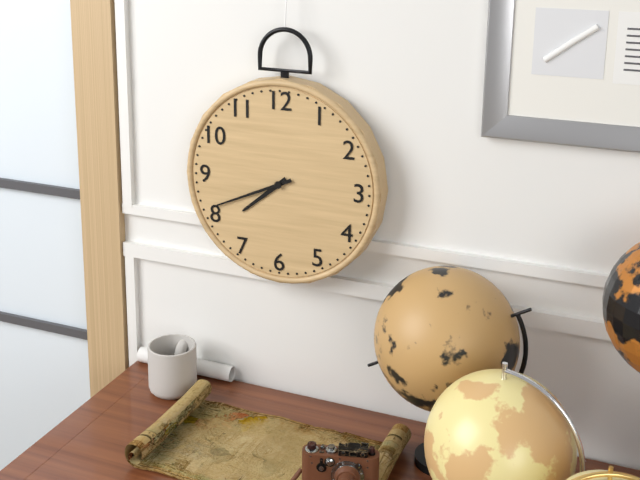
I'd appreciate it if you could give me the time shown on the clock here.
7:41
